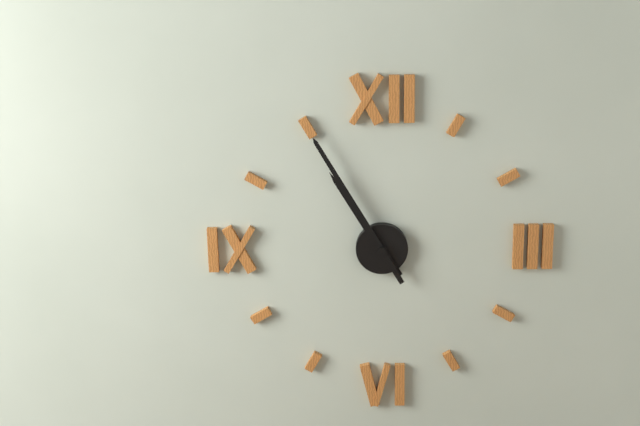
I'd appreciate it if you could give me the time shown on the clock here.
10:55
